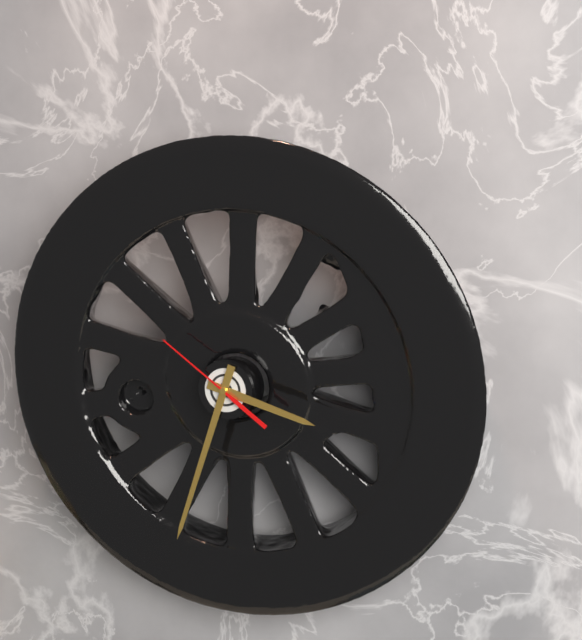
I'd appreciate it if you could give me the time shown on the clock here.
3:33:51
